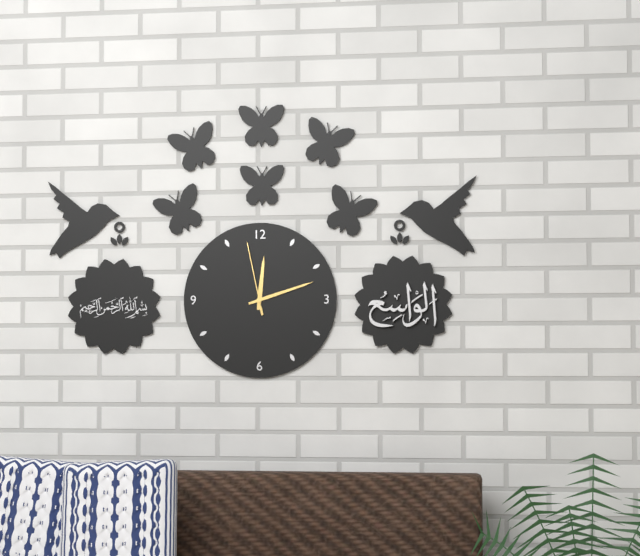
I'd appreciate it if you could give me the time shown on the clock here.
12:12:58
